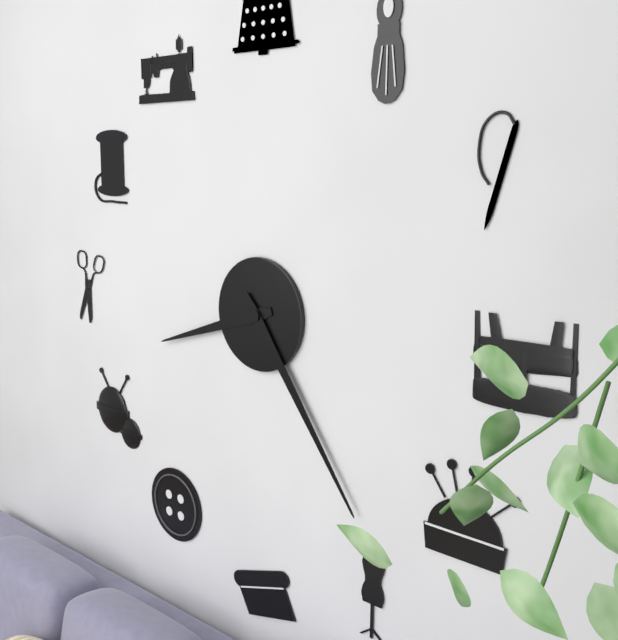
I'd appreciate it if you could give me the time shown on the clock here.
8:24
